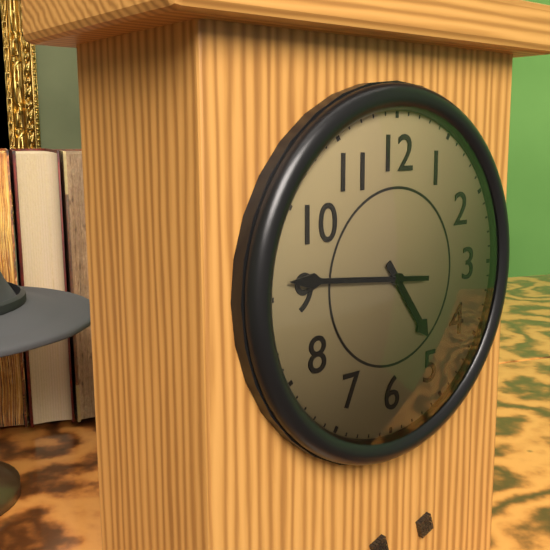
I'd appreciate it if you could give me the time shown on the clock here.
4:46
